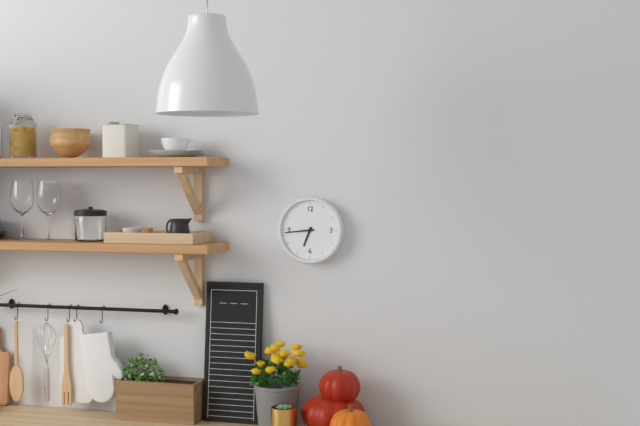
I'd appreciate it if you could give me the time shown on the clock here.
6:44
